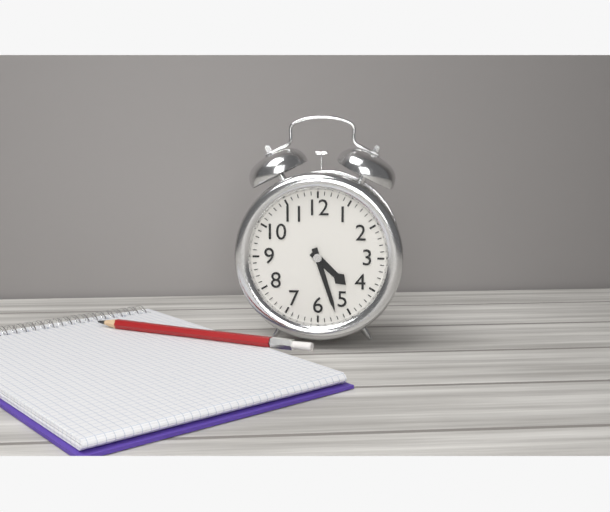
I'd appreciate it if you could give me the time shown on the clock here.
4:27
